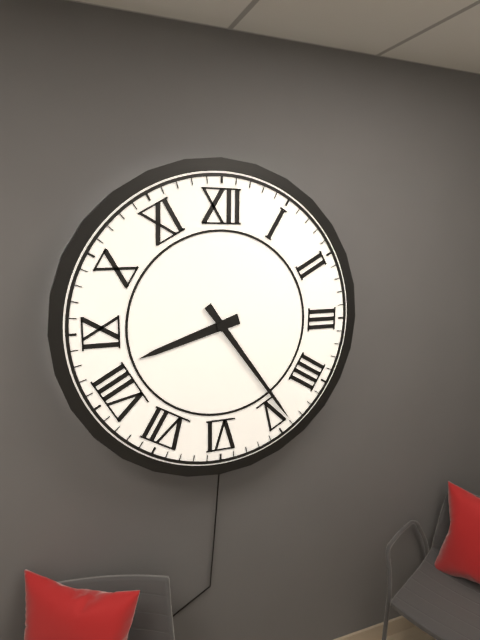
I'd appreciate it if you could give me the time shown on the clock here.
8:24
